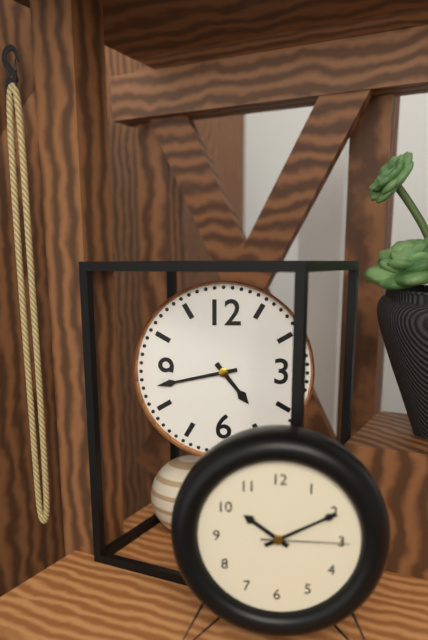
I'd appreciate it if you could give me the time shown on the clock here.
4:43
